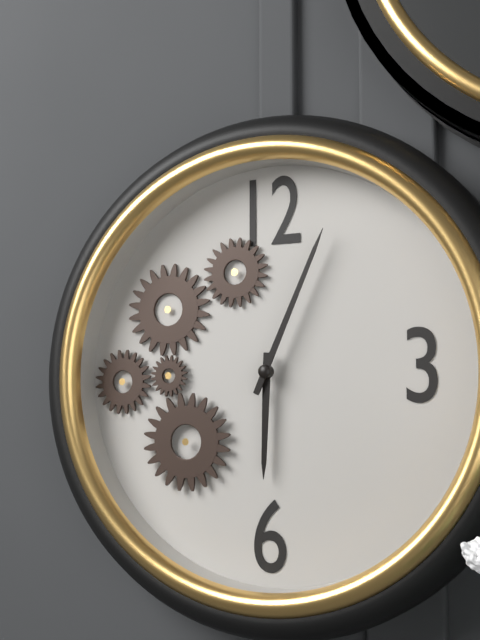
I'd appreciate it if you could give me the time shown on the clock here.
6:04
